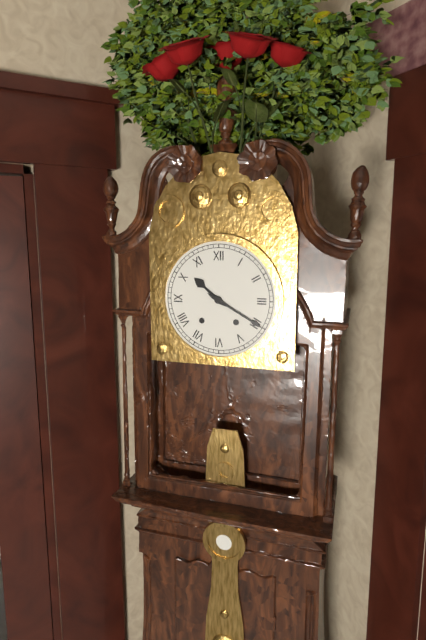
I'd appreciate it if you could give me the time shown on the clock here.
10:20
